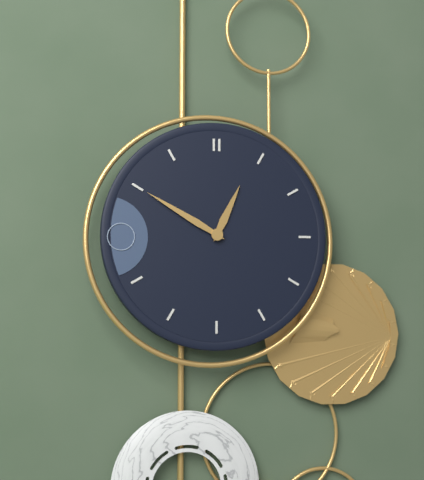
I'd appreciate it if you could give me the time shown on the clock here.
12:50
